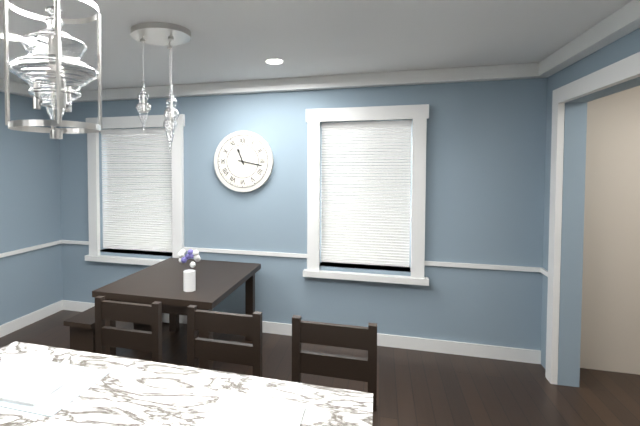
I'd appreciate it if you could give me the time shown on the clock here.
11:17
